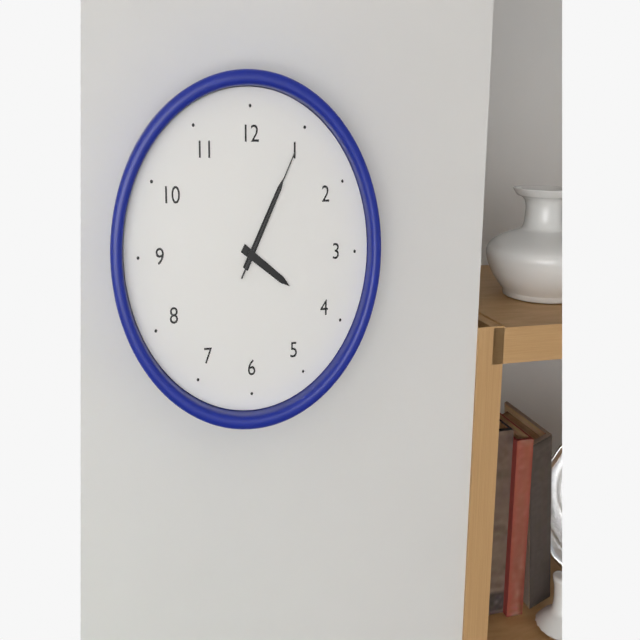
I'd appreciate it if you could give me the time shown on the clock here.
4:05:05
